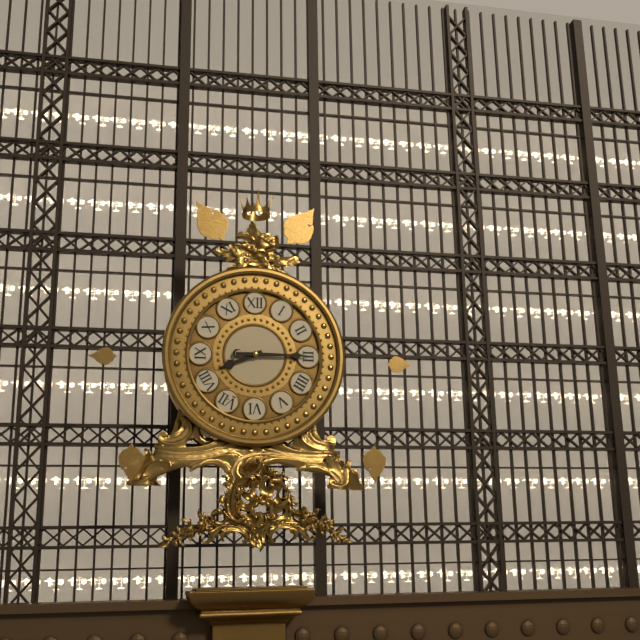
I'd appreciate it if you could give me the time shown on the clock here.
8:15
